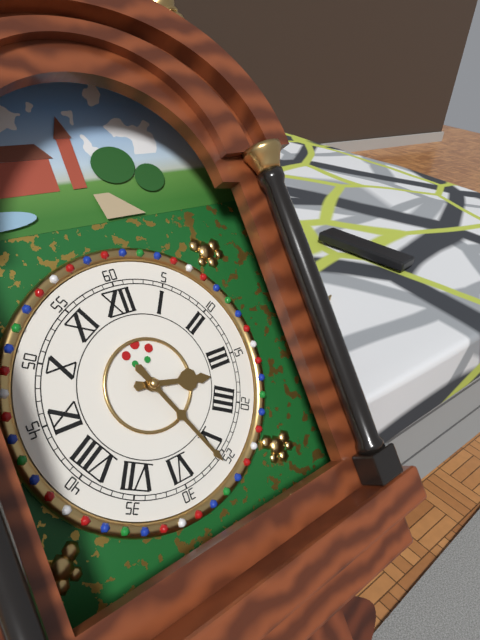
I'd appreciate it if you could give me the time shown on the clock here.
3:26
